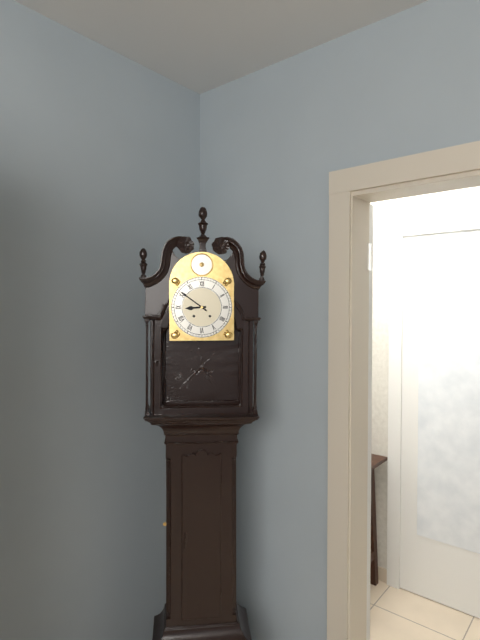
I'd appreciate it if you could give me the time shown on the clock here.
8:51
